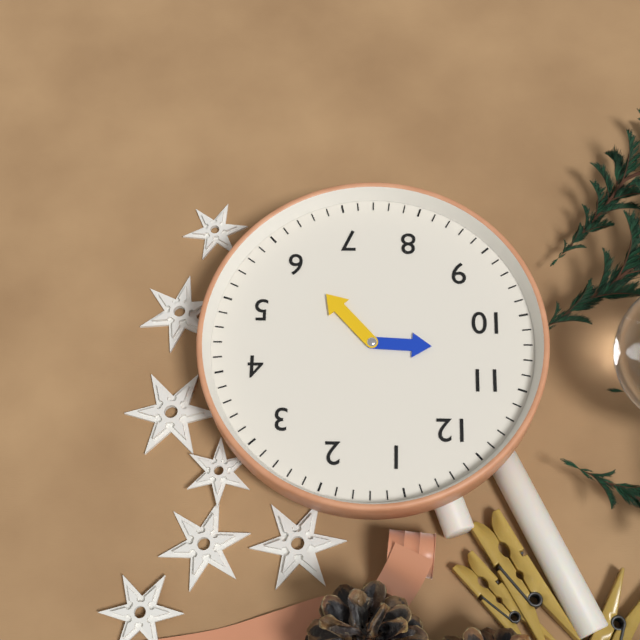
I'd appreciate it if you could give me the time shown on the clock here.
10:30
